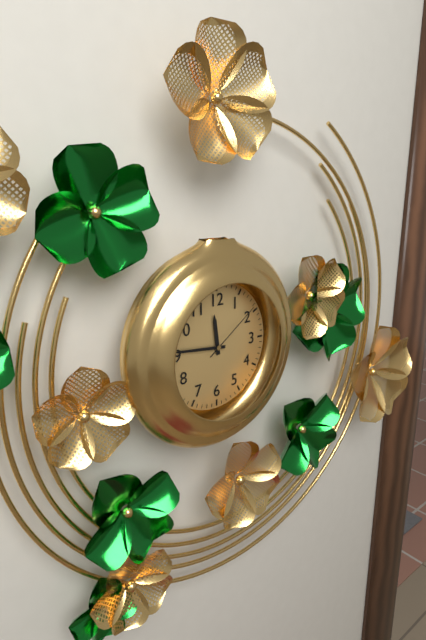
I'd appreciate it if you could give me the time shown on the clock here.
11:46:09
